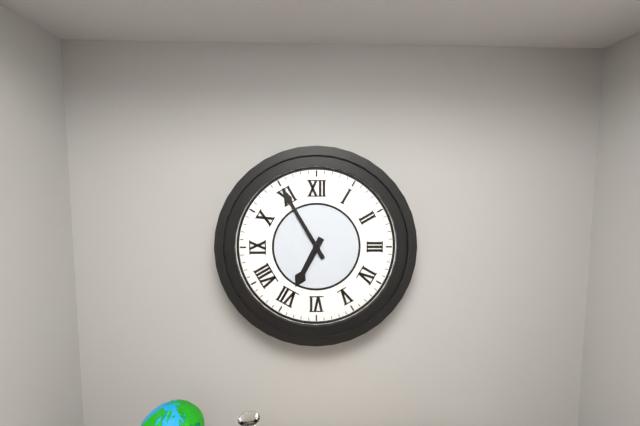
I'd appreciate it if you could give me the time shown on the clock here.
6:55
